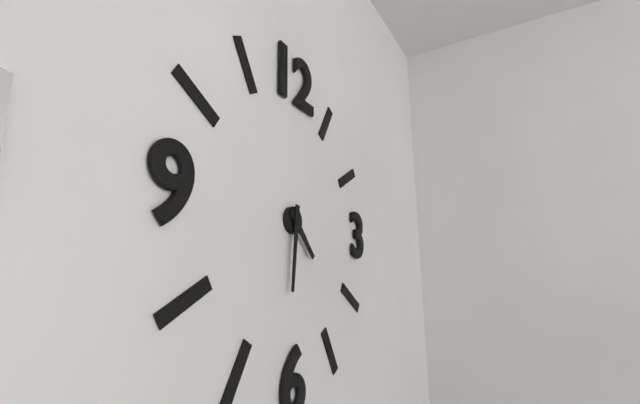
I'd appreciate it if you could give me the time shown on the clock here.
4:31
